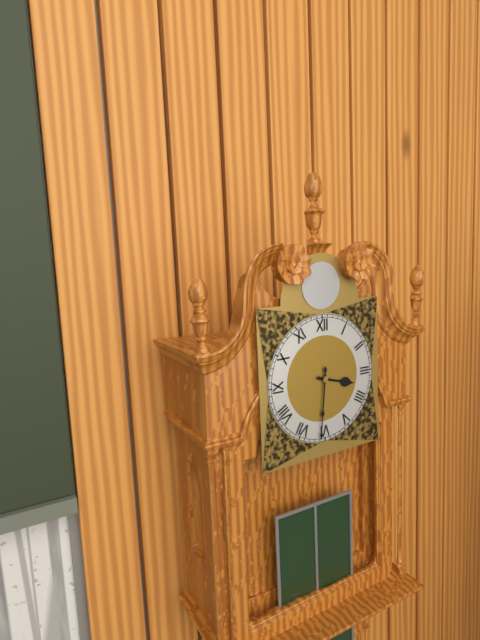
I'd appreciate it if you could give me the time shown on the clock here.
3:31
